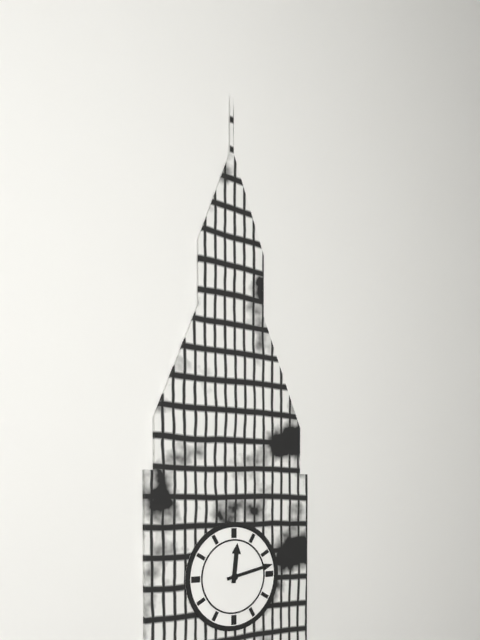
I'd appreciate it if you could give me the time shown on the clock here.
12:13
